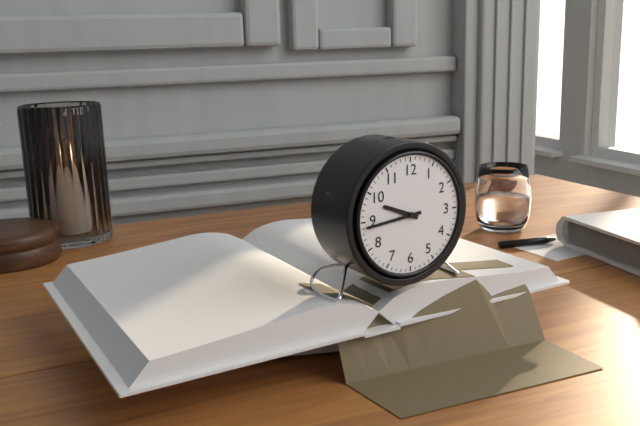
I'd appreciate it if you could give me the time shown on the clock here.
9:44
